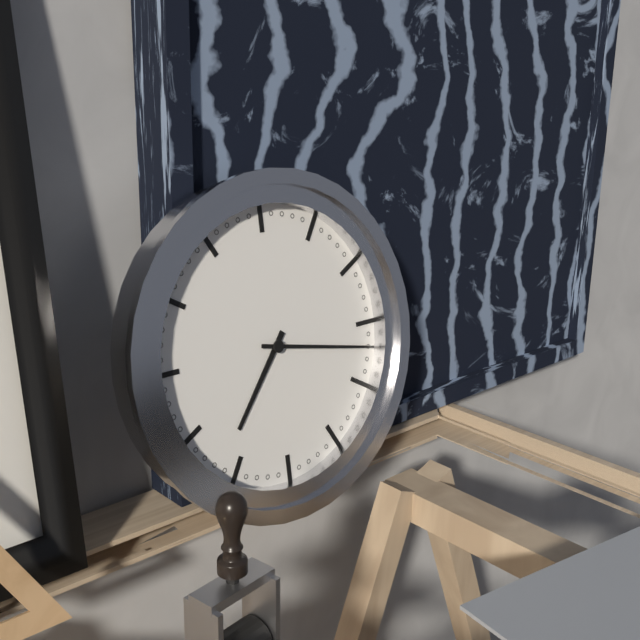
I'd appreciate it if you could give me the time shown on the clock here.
7:17
